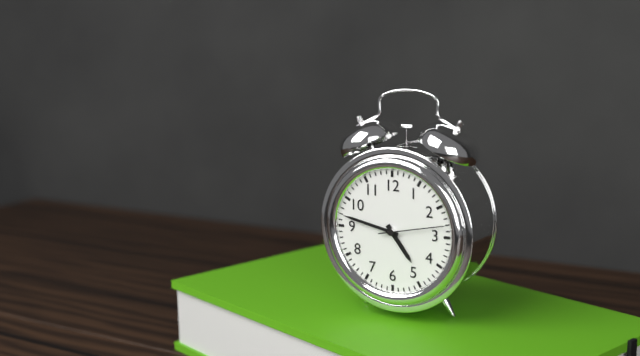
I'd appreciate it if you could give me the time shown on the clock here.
4:47:13
